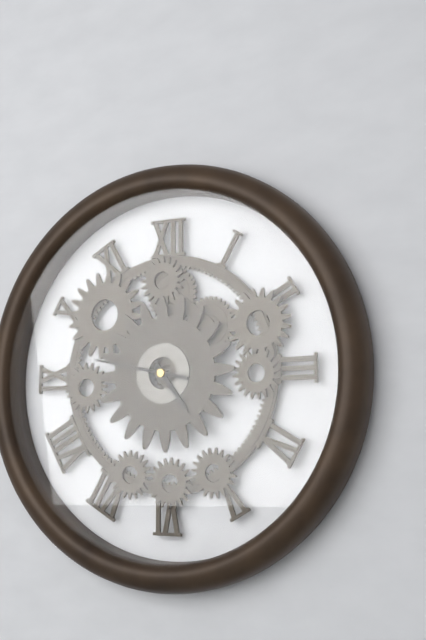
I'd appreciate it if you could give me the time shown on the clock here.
4:47
